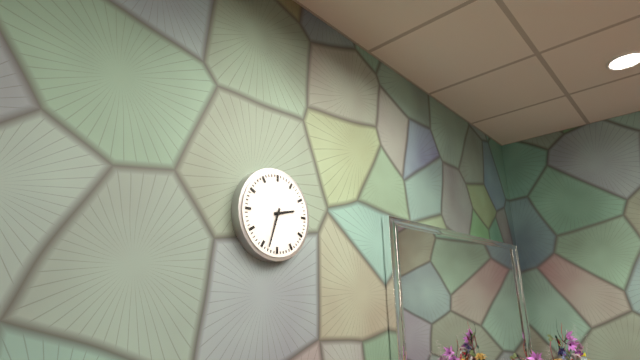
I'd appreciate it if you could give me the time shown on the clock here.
2:33
